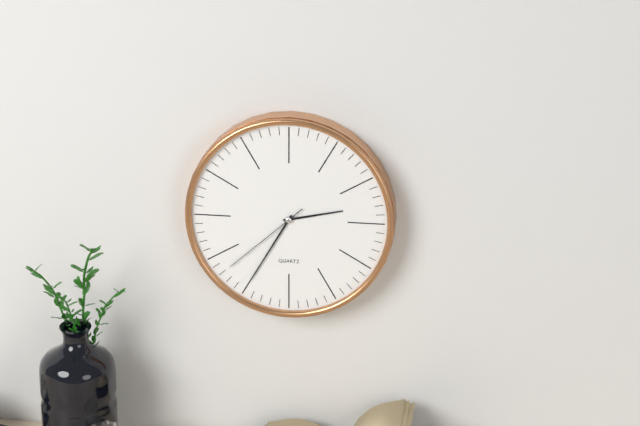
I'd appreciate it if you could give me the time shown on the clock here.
2:35:38
